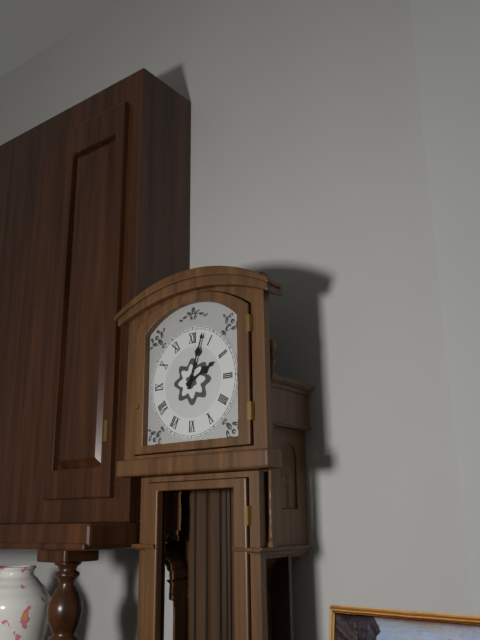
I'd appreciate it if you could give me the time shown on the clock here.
2:03
